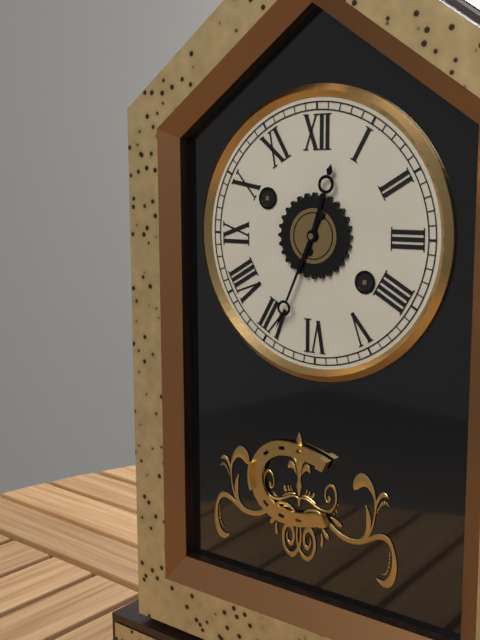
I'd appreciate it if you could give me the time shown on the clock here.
12:34
